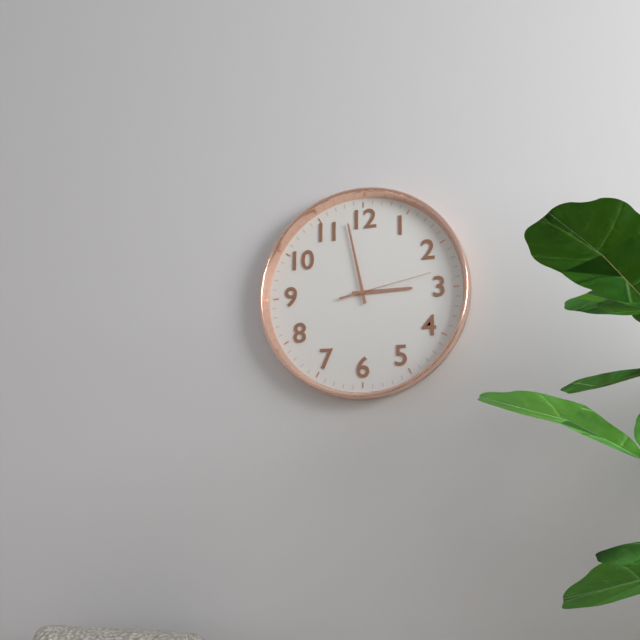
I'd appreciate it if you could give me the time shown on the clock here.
2:58:13
